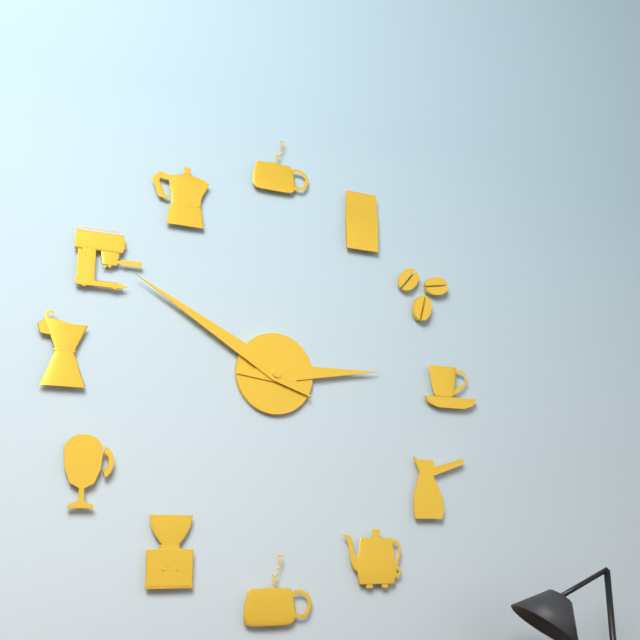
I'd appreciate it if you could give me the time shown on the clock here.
2:50
